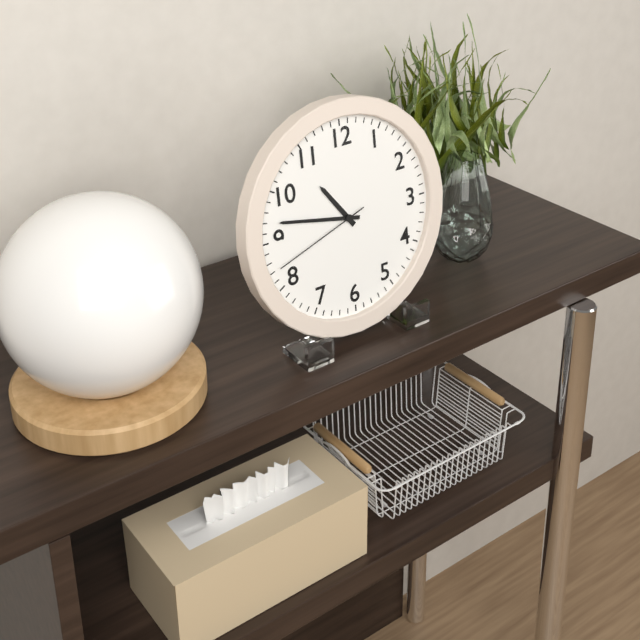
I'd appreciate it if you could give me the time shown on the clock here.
10:47:42
